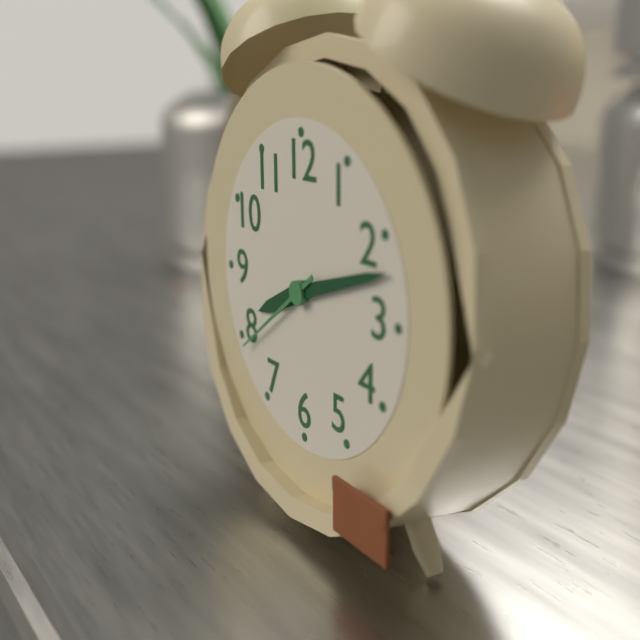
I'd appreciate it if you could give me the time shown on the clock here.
8:12:39
